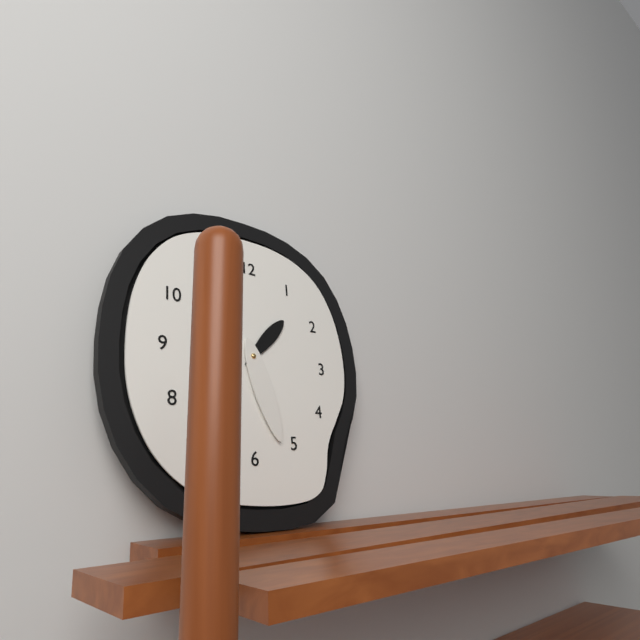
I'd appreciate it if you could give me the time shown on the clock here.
1:27
